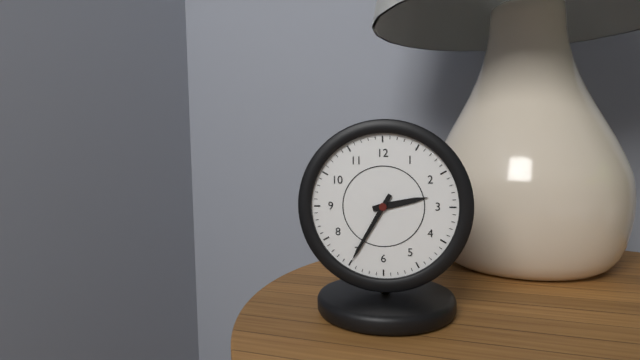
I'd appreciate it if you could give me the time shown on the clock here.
2:35
